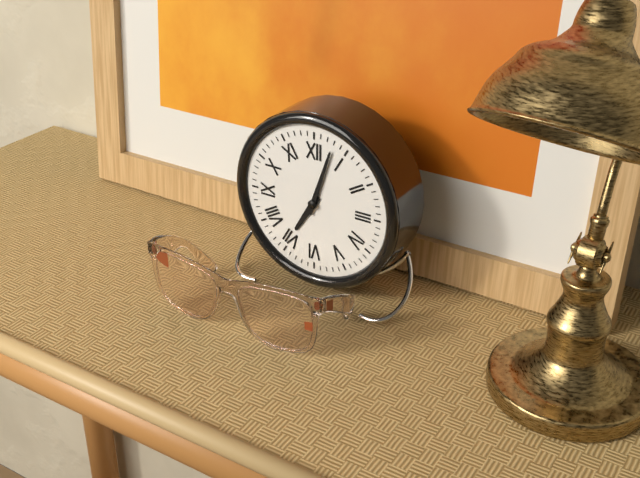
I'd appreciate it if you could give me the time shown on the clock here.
7:03
